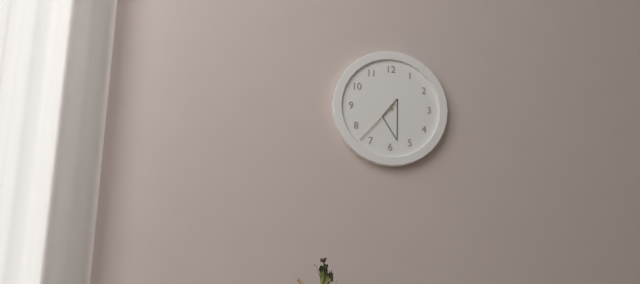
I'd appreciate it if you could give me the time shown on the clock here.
5:37
